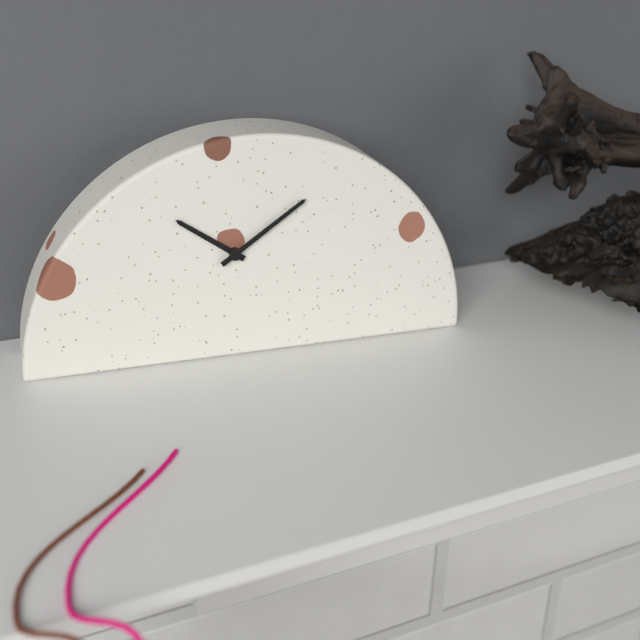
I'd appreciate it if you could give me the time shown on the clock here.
10:09
